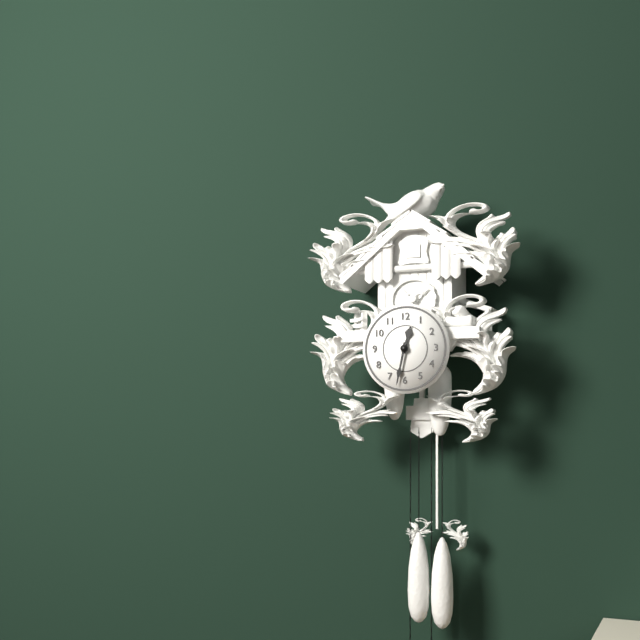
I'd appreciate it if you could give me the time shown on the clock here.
12:32
